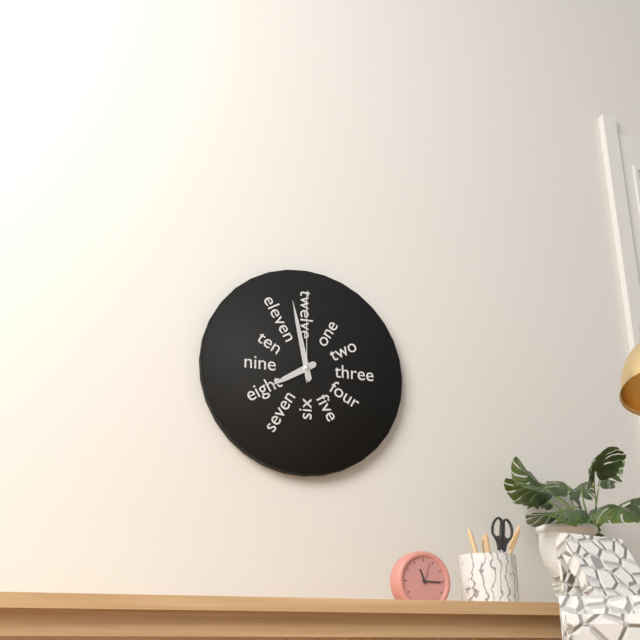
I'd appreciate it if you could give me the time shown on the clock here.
7:58:00
